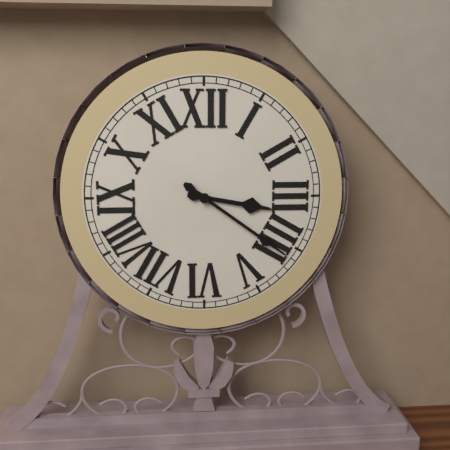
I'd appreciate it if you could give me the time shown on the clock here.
3:21
